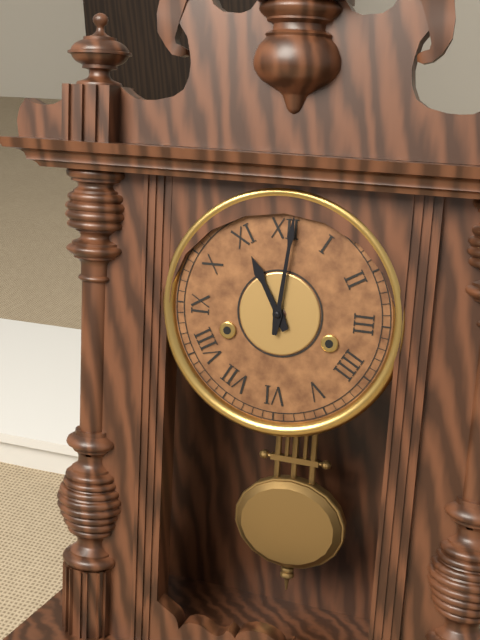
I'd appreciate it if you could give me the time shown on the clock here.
11:01
